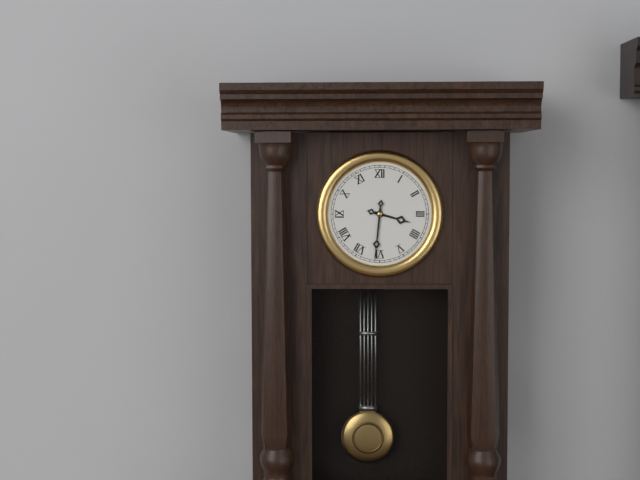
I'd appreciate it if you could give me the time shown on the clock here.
3:31
